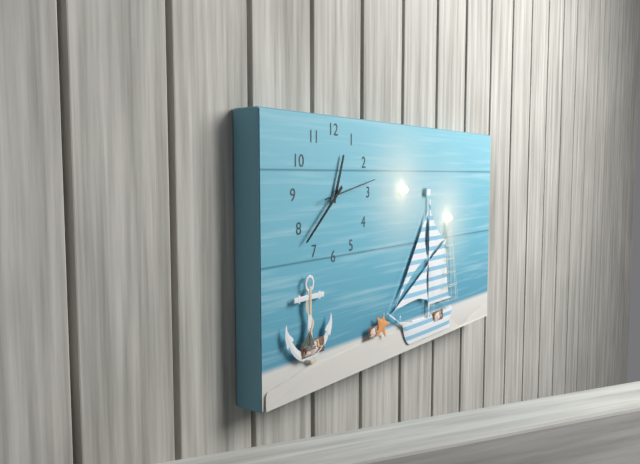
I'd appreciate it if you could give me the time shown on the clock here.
12:38
